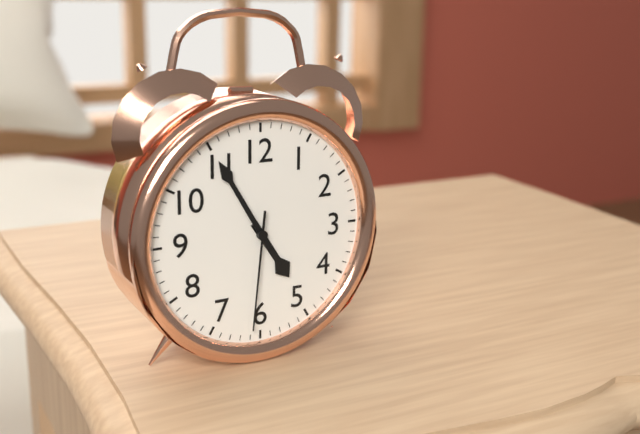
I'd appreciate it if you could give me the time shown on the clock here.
4:55:31
